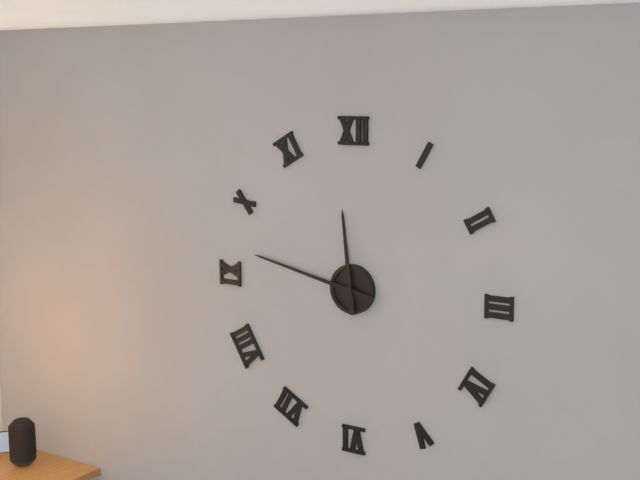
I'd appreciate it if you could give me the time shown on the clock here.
11:47
